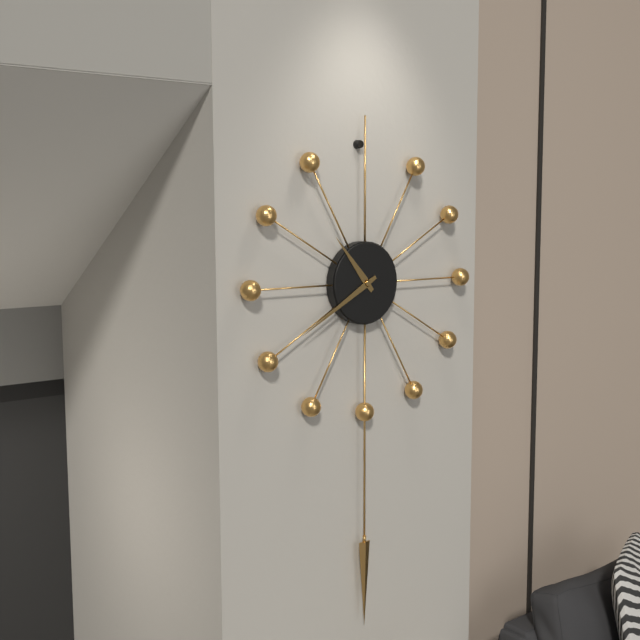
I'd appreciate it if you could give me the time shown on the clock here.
10:40
